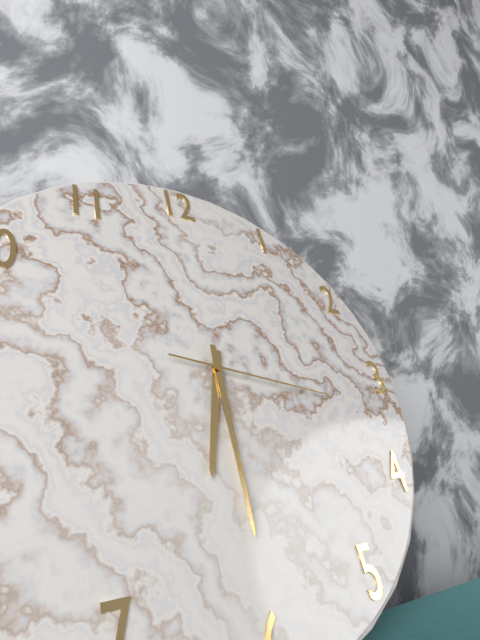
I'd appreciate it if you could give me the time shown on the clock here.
6:30:17
